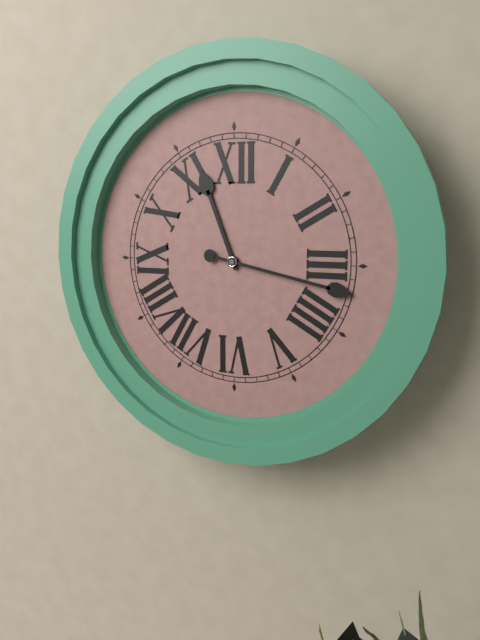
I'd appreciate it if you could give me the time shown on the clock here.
11:17
